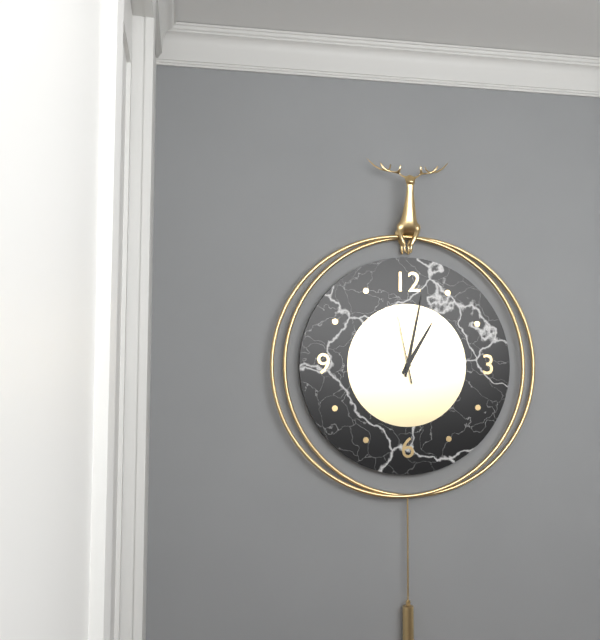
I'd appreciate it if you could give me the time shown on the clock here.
1:02:58
